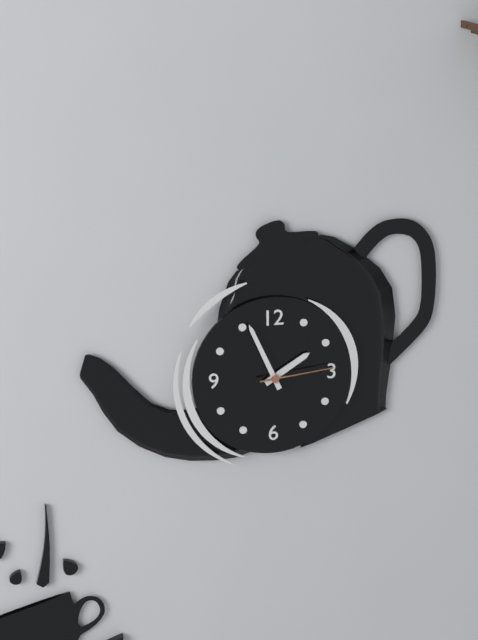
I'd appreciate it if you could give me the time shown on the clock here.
1:56:14
